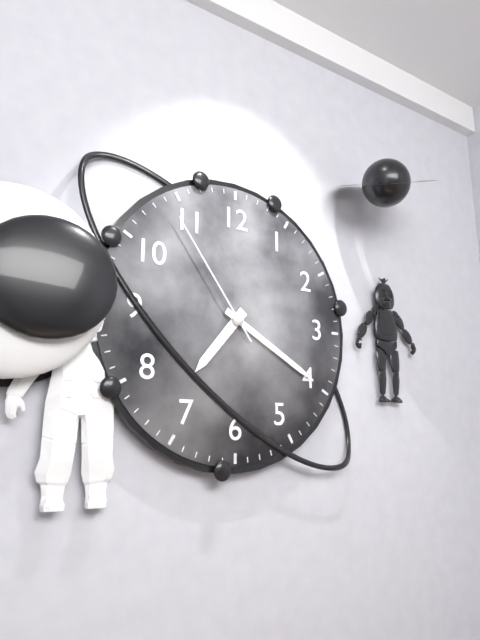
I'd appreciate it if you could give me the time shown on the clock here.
7:20:54
